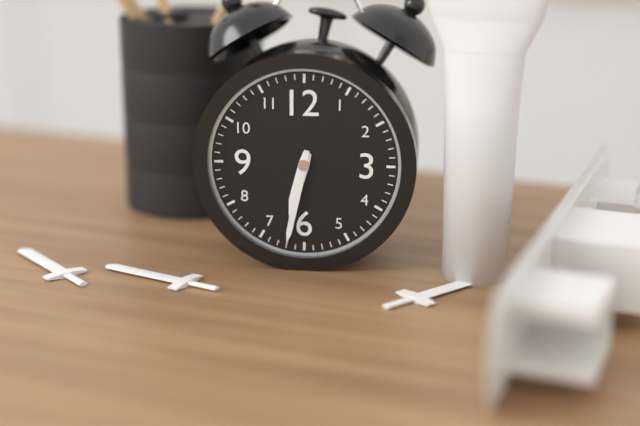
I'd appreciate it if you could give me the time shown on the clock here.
6:32
